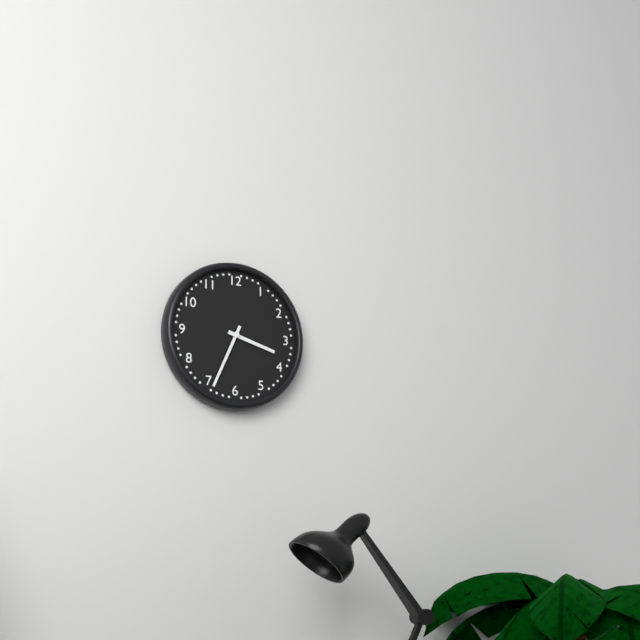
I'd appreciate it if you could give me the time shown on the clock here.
3:34
